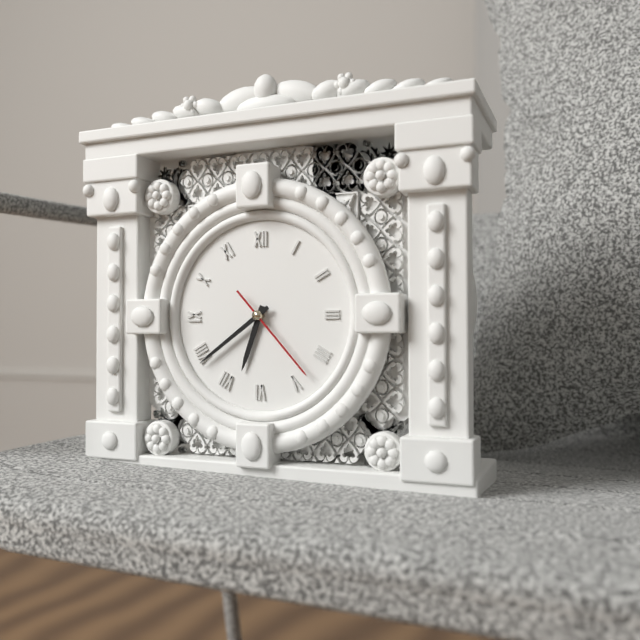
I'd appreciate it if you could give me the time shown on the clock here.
6:39:23
